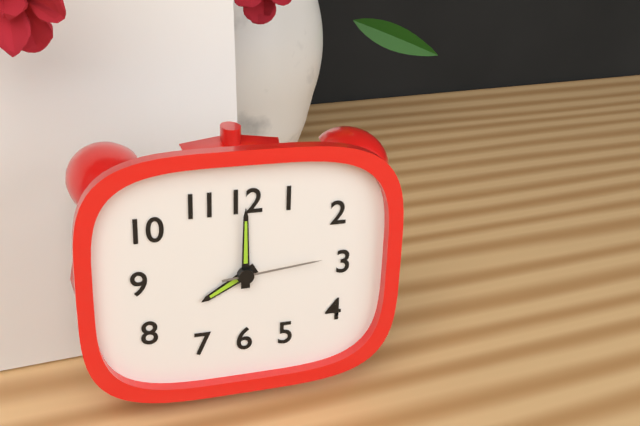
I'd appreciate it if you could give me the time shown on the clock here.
8:00:14
